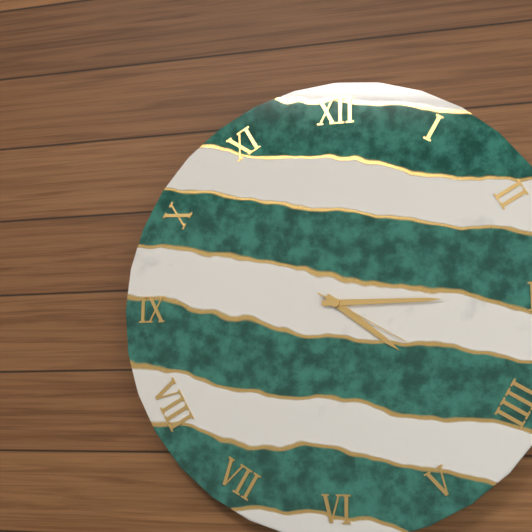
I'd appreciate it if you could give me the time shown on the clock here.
4:15:20
